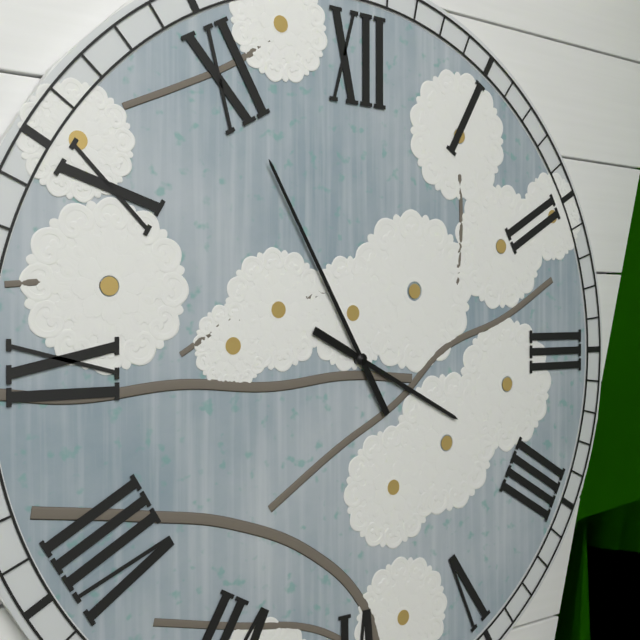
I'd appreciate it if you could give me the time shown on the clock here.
3:55
